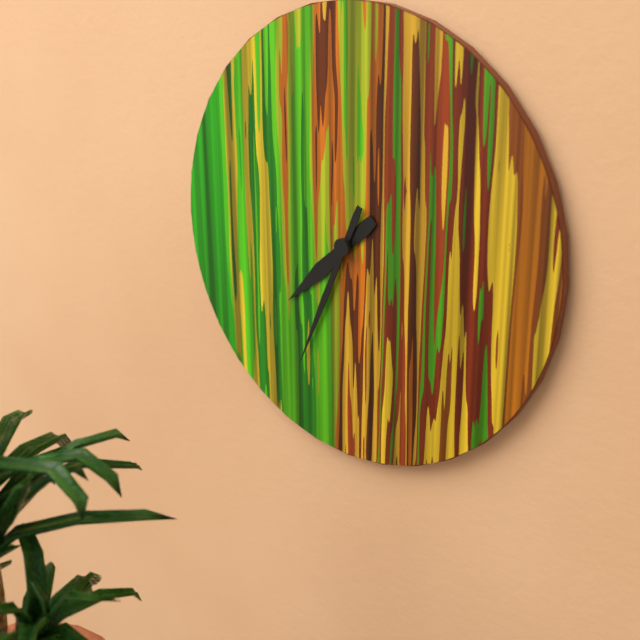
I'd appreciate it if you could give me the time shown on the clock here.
7:34
